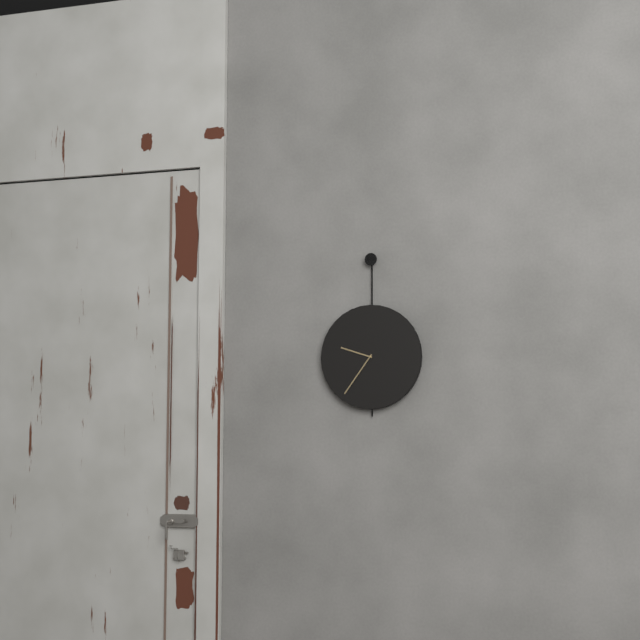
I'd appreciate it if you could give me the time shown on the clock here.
9:36
